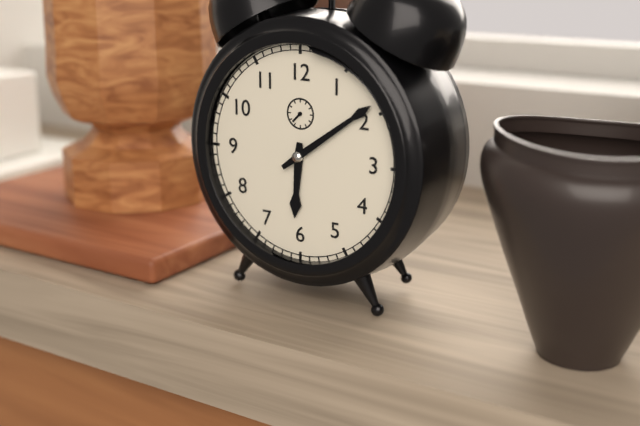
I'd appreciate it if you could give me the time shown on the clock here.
6:09
